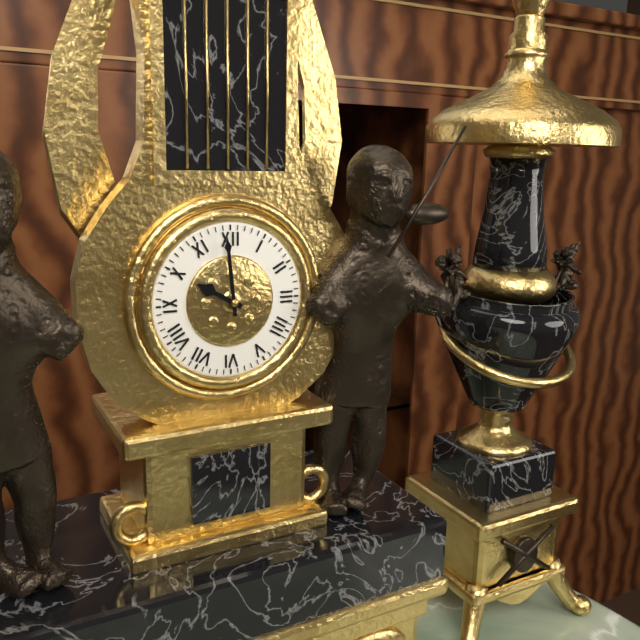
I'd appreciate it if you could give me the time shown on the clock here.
9:59
